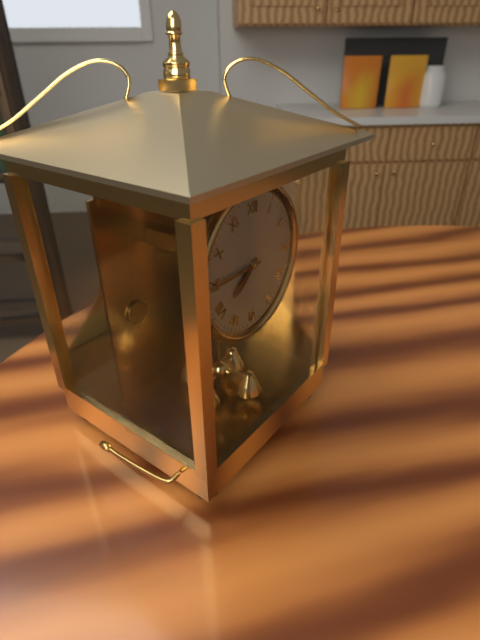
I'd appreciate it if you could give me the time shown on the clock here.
7:45
